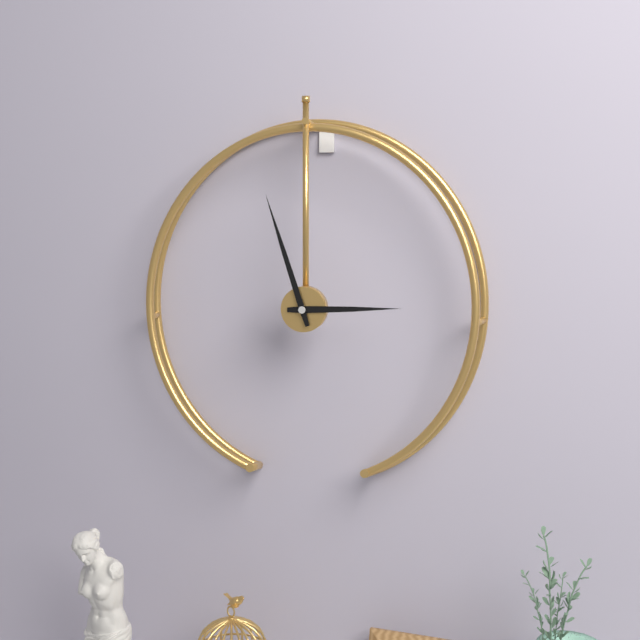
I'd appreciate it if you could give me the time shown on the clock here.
2:57
